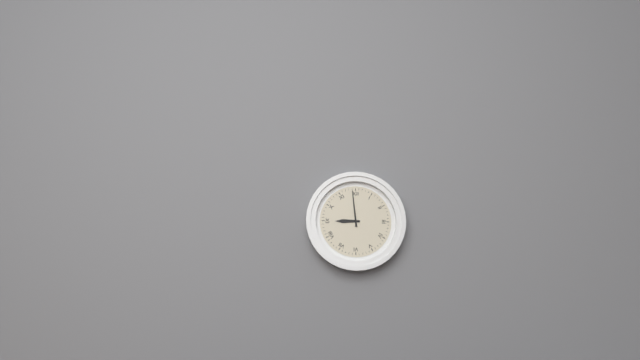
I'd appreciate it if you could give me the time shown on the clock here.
8:59
